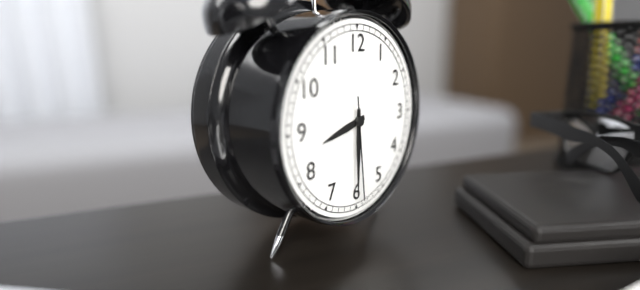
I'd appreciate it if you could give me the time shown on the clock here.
8:30:29
